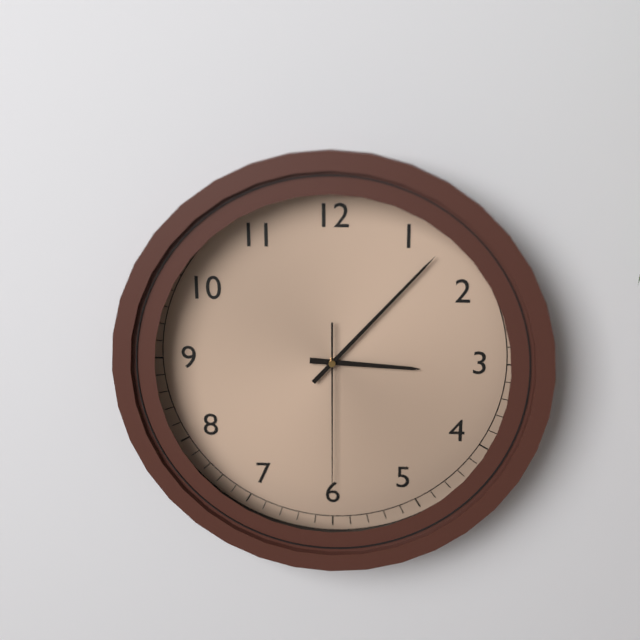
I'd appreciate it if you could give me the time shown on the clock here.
3:07:30
